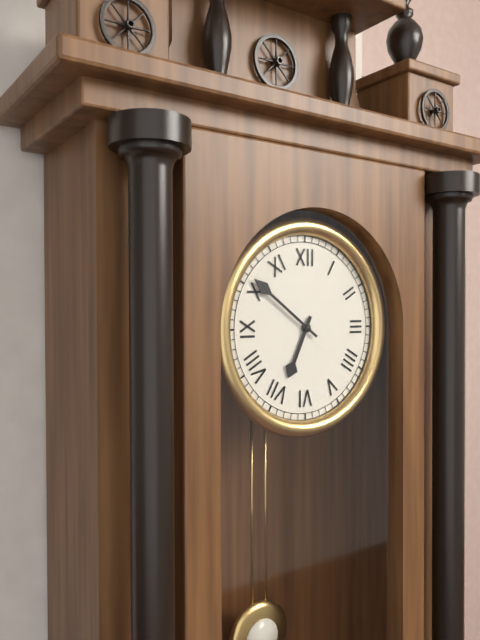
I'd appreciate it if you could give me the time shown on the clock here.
6:51
